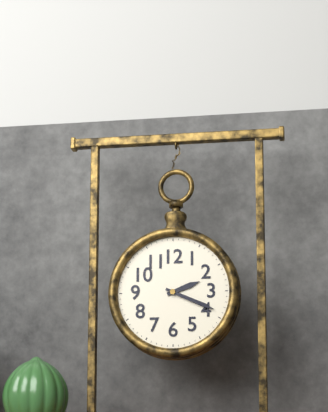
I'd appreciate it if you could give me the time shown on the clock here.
2:19
